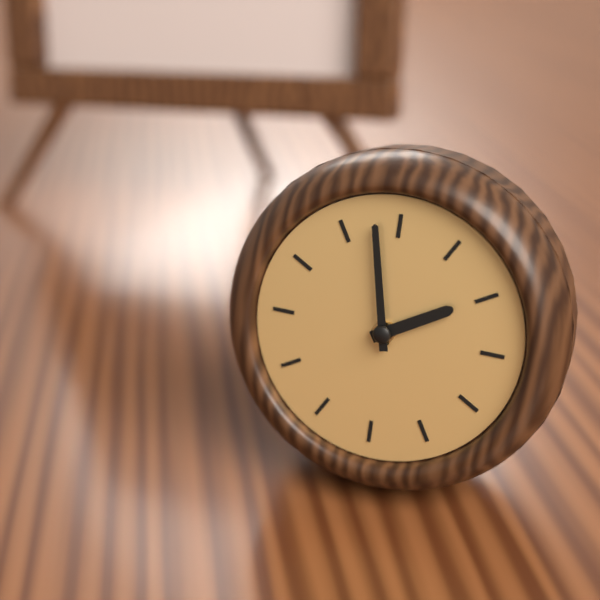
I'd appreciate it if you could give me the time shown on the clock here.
1:58
